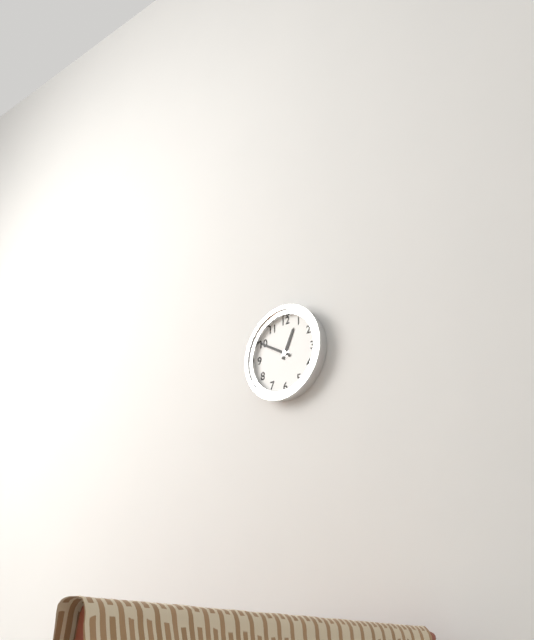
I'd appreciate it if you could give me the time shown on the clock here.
12:50
